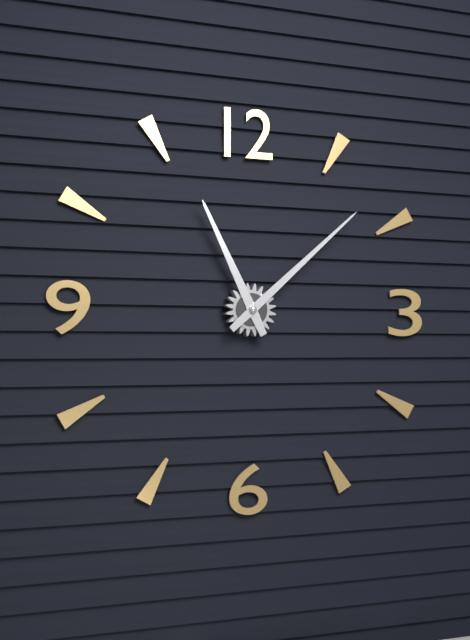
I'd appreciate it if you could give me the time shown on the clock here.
11:08
